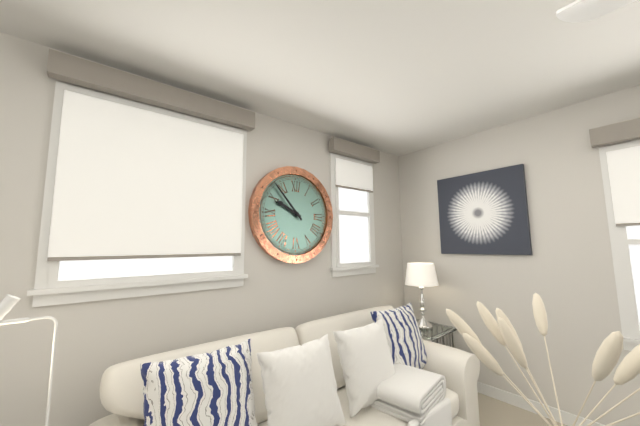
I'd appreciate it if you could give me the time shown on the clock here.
9:53
